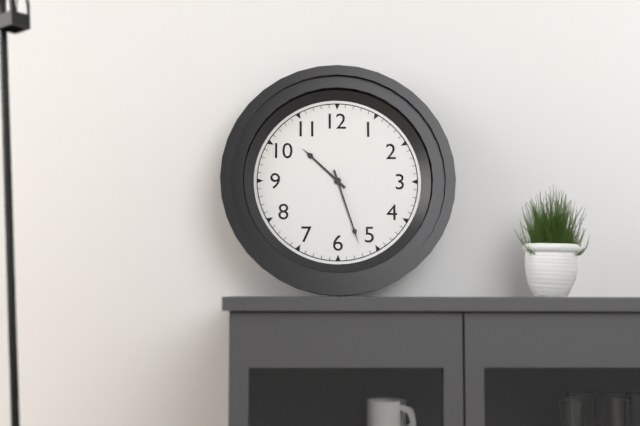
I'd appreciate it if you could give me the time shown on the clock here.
10:27
